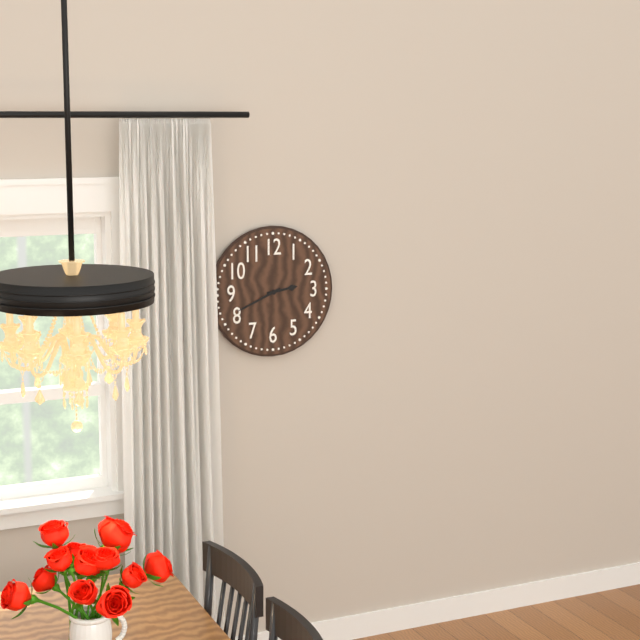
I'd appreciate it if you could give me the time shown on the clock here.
2:41
